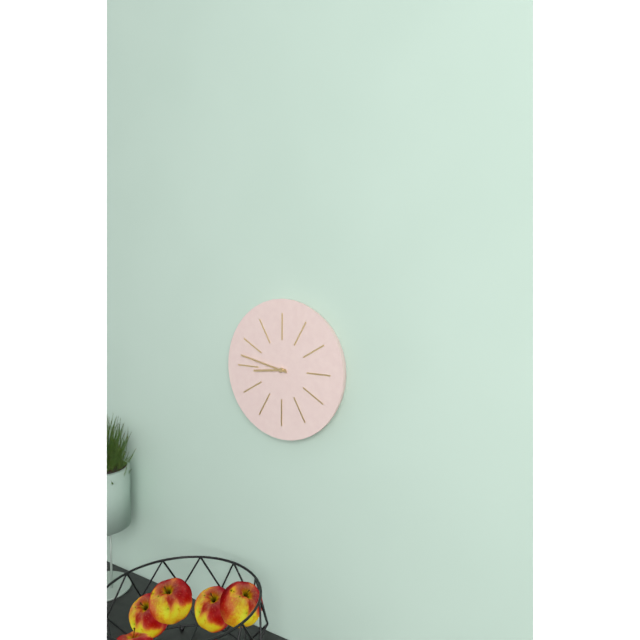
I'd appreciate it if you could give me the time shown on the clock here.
8:47
